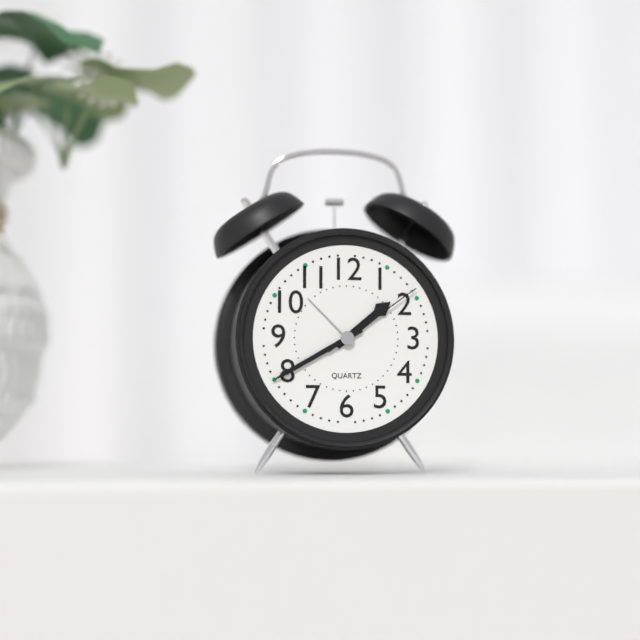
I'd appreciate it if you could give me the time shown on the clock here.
1:40:09
